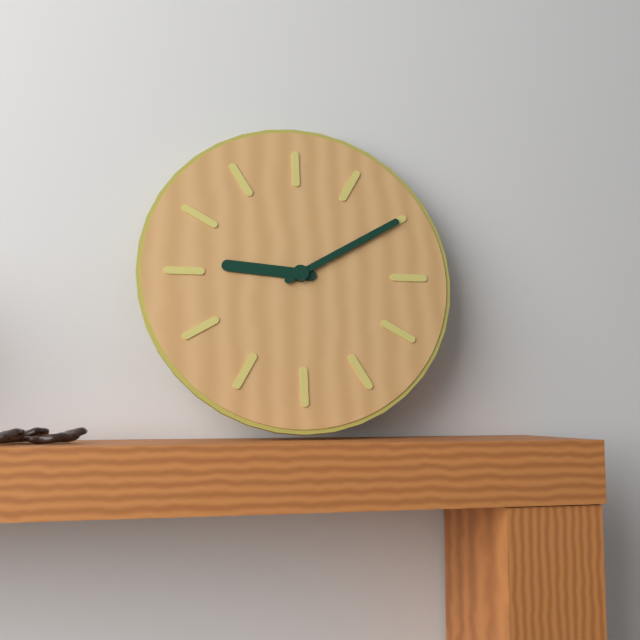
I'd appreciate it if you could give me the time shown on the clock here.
9:10
